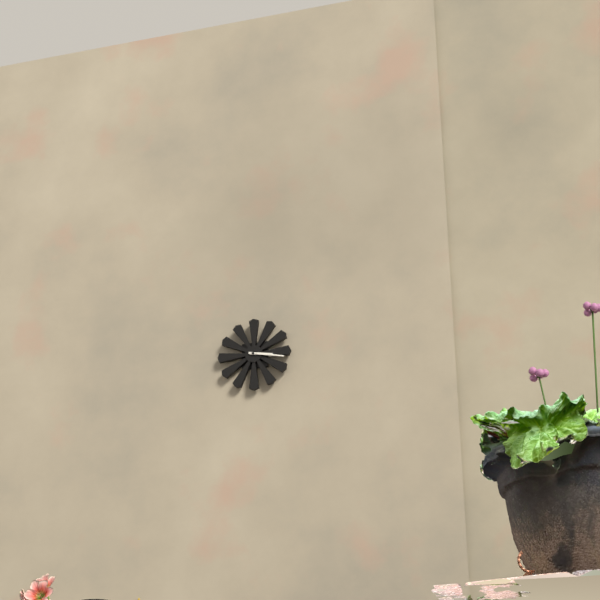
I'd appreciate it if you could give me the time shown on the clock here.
3:17
